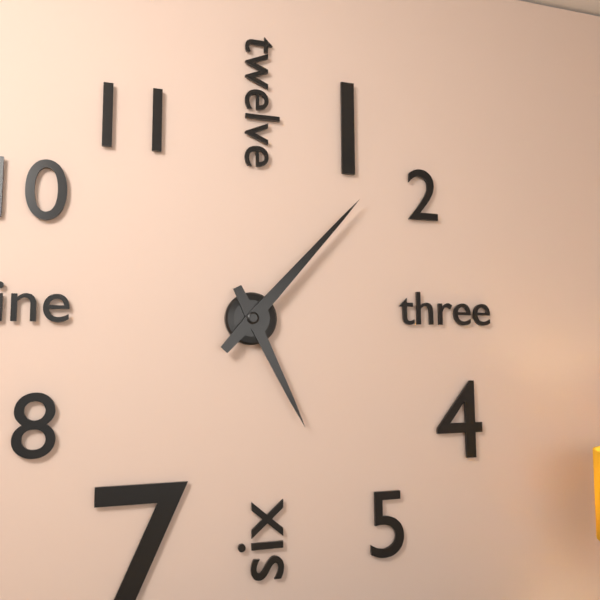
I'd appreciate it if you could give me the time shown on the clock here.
5:07
